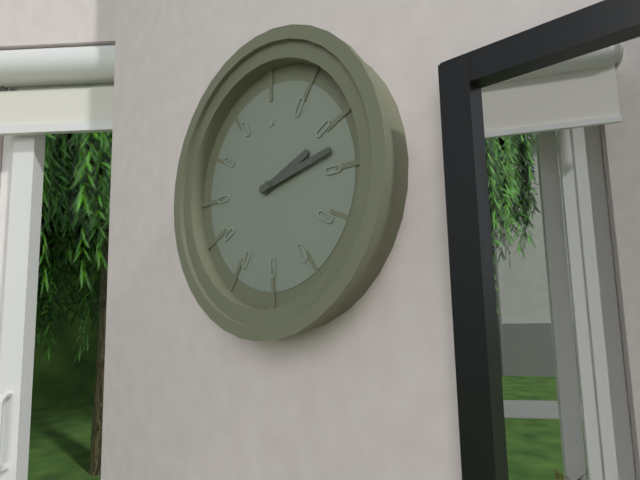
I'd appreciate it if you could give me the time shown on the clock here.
2:13
